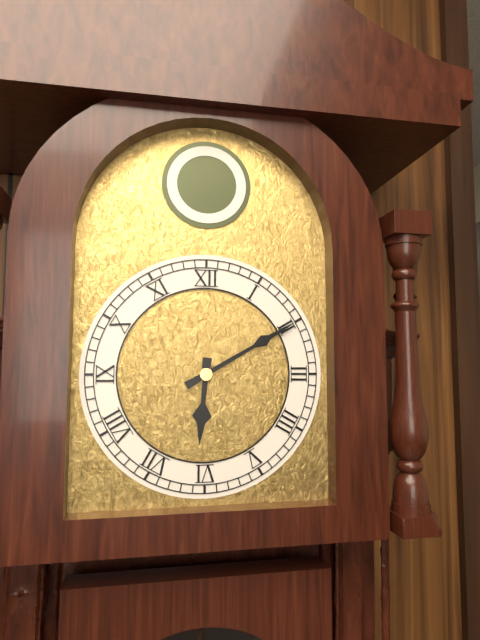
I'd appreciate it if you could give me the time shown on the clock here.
6:10
